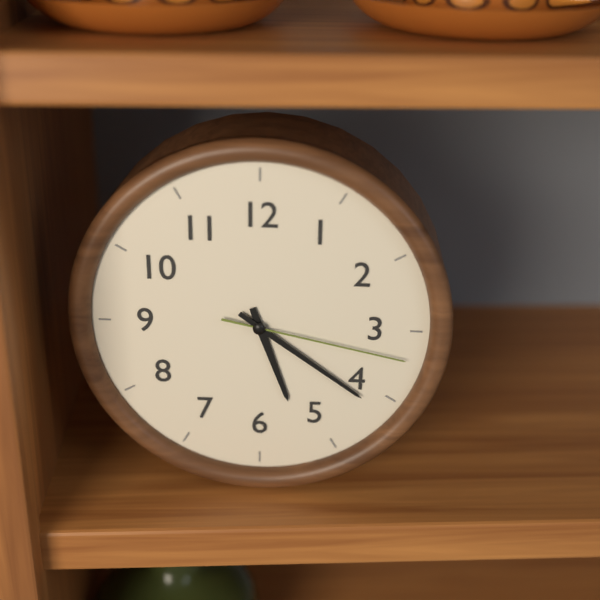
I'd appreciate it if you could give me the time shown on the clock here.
5:21:17
